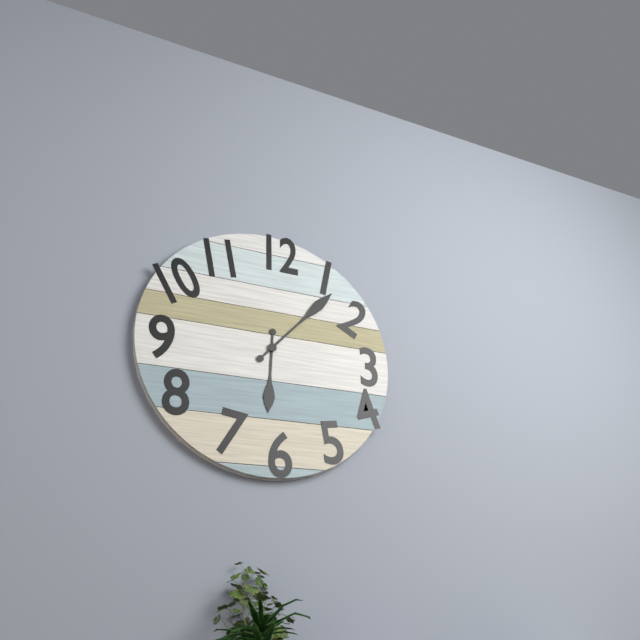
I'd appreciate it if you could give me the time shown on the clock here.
6:07
